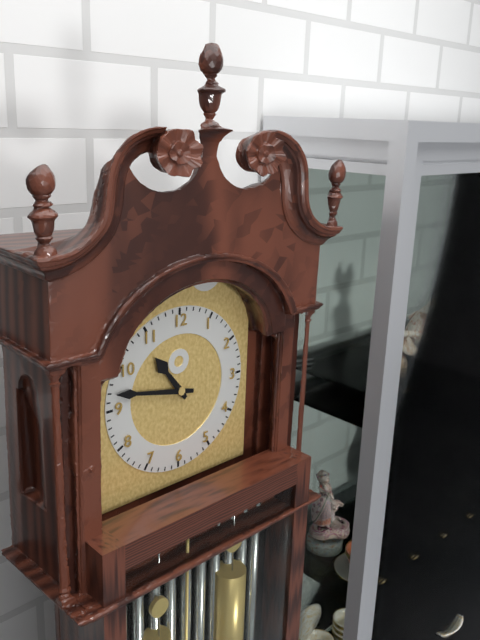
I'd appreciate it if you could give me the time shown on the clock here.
10:47
